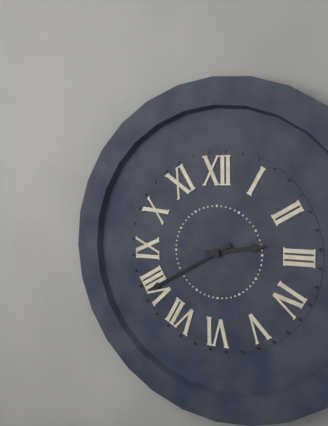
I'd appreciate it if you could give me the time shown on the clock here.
2:40
